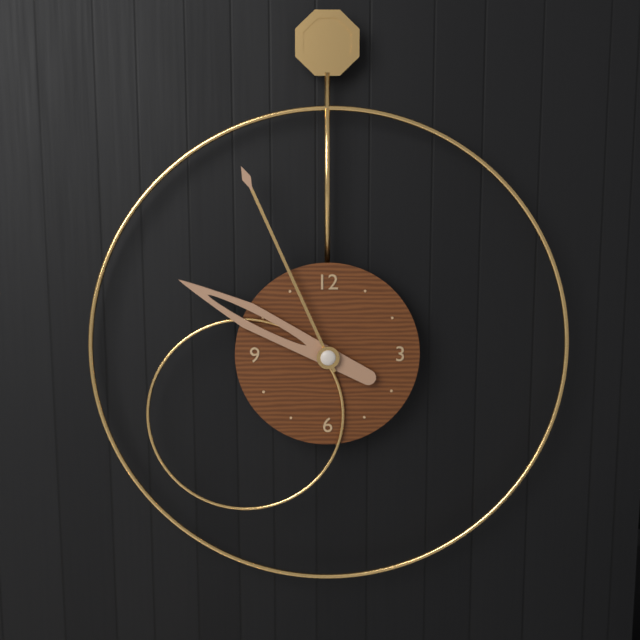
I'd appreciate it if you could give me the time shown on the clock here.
9:56
